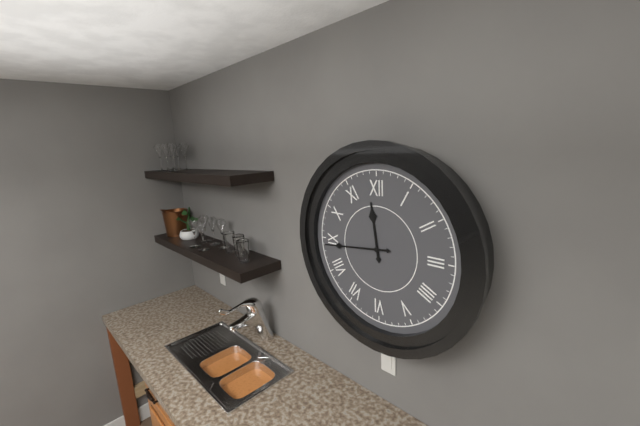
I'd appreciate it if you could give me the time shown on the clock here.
11:44
